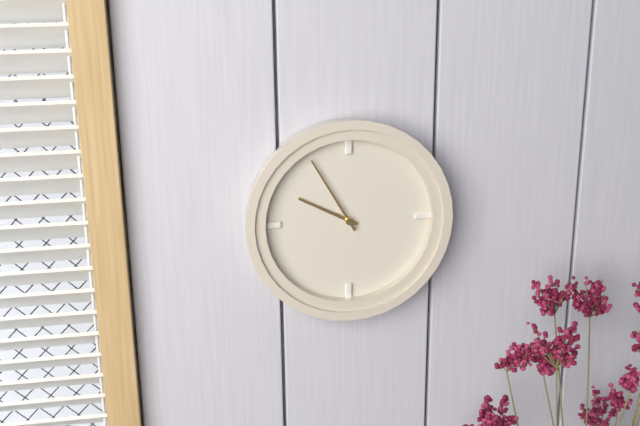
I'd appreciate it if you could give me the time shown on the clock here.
9:55
